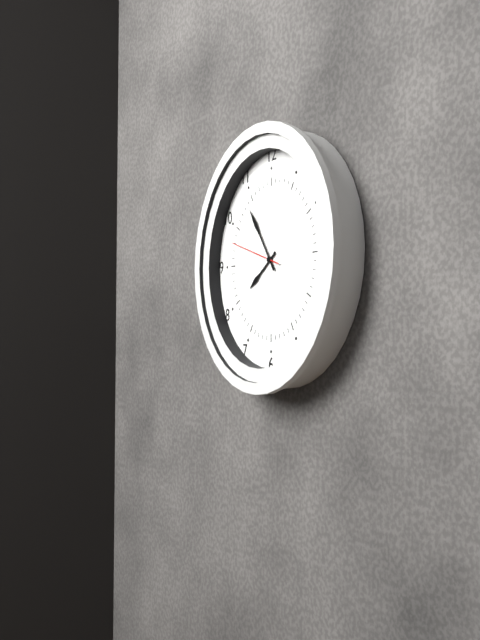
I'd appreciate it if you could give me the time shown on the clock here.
7:54:48
